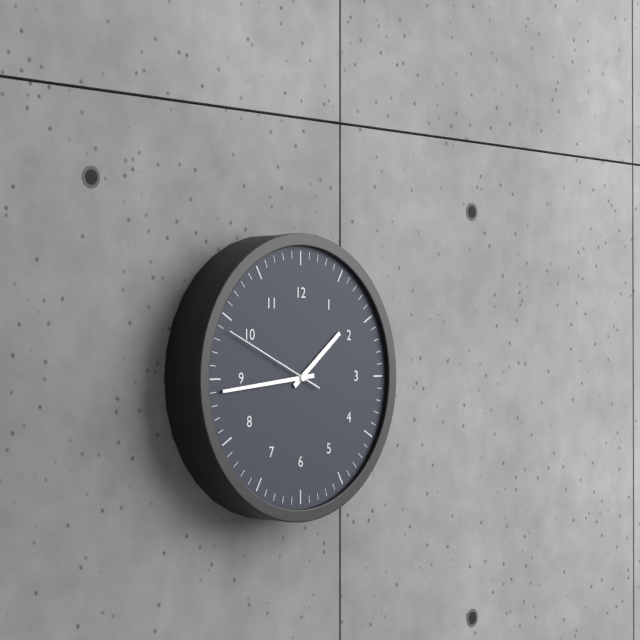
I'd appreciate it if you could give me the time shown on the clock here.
1:44:49
